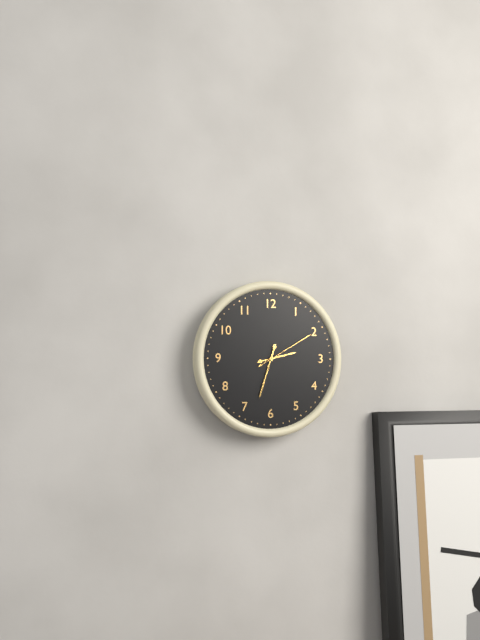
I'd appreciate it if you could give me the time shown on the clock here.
2:33:10
